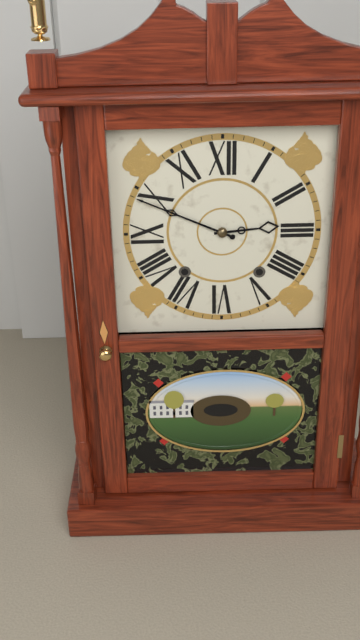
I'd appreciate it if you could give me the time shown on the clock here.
2:49
